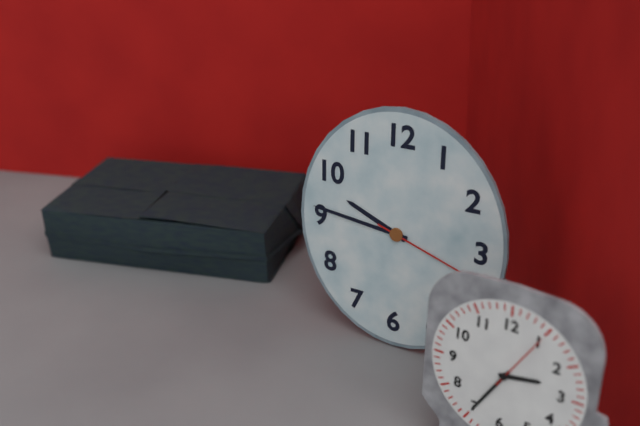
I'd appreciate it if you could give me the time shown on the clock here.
9:46:18
